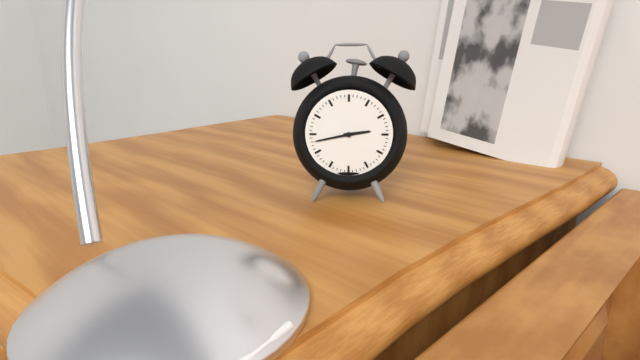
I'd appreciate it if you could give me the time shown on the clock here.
2:43
